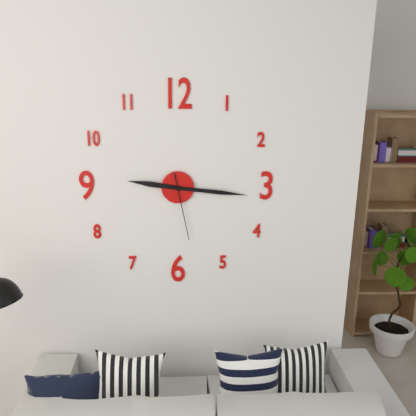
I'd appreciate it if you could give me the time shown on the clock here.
9:16:28
